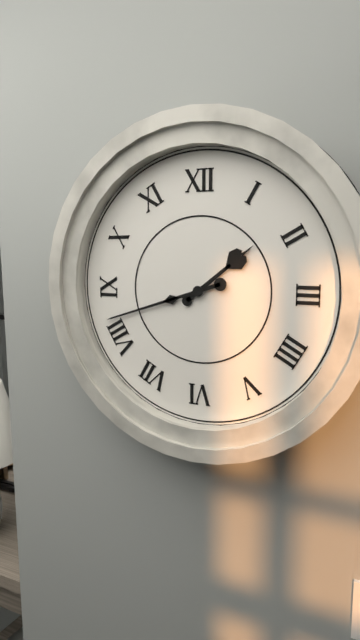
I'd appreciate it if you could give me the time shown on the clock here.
1:42
